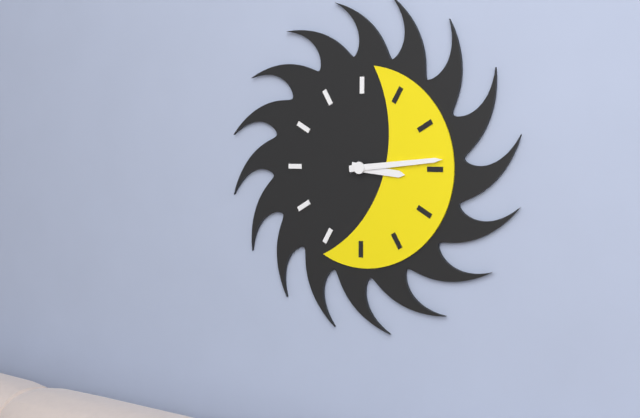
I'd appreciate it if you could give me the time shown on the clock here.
3:14
